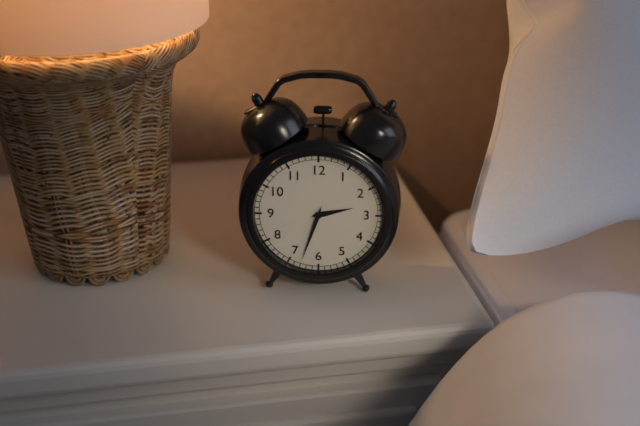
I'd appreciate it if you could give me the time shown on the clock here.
2:33
